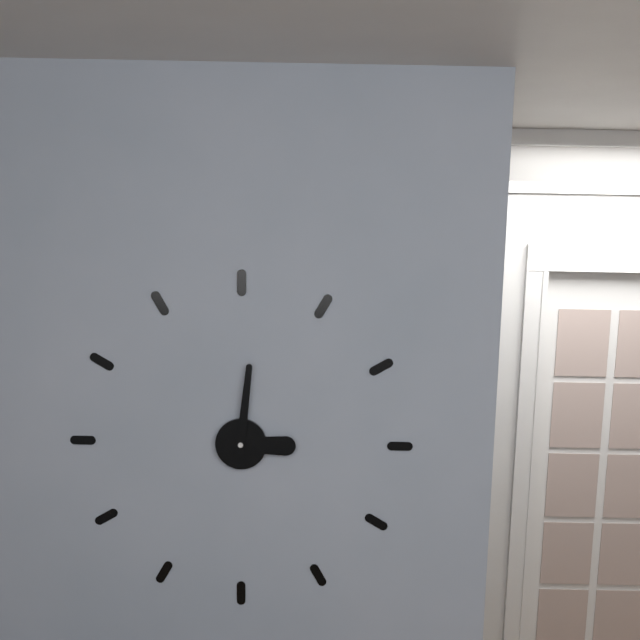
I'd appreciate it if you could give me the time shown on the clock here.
3:01
